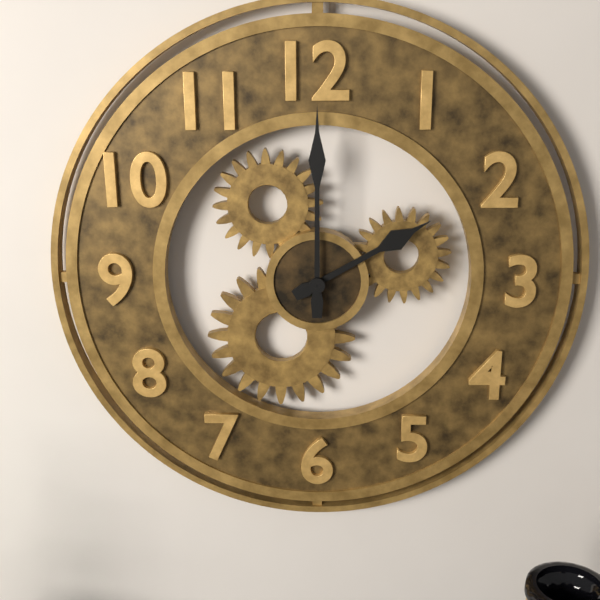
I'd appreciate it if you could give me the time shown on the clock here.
2:00
